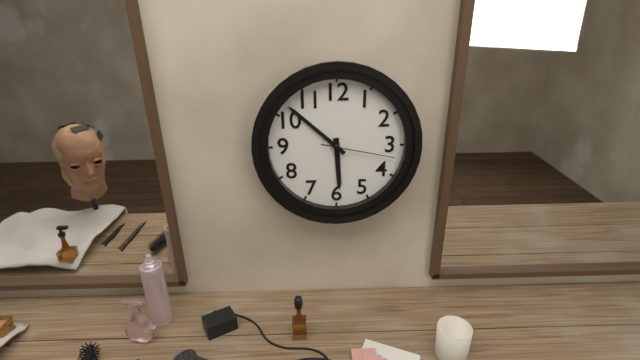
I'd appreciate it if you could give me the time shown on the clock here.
5:52:17
